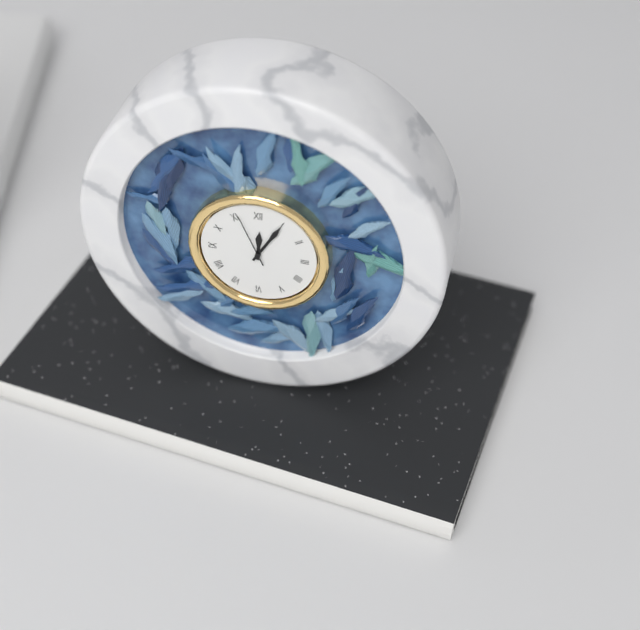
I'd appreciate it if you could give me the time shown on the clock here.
12:05:56
